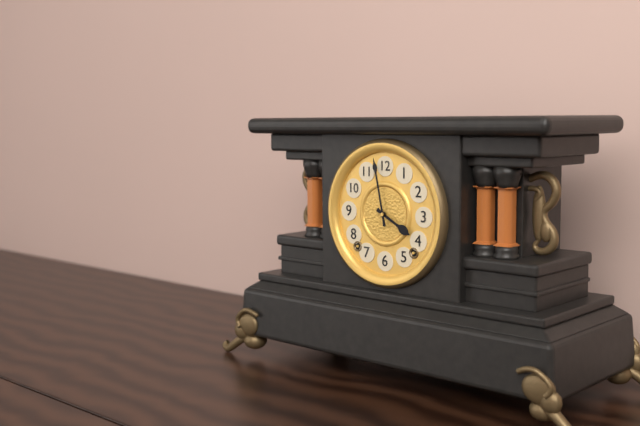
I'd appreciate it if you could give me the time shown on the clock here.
3:58
